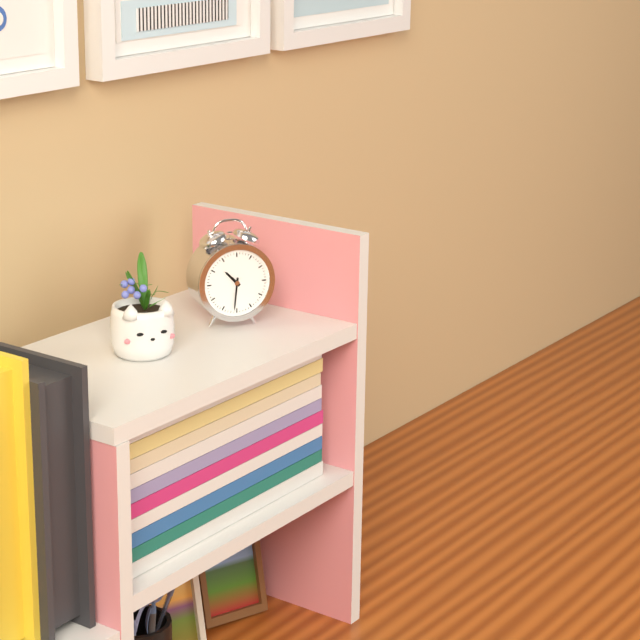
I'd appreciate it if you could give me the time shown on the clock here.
10:31
